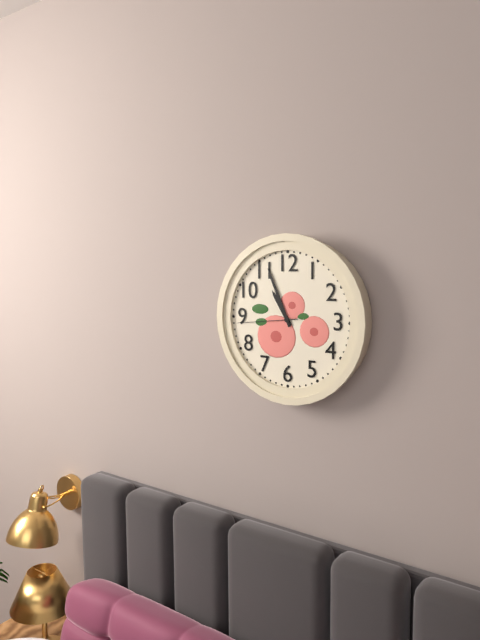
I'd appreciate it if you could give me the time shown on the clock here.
10:56:44
